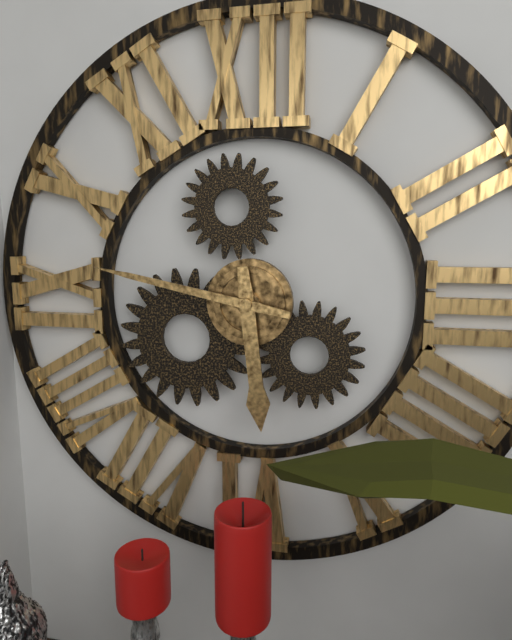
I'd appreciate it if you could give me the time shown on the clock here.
5:47
